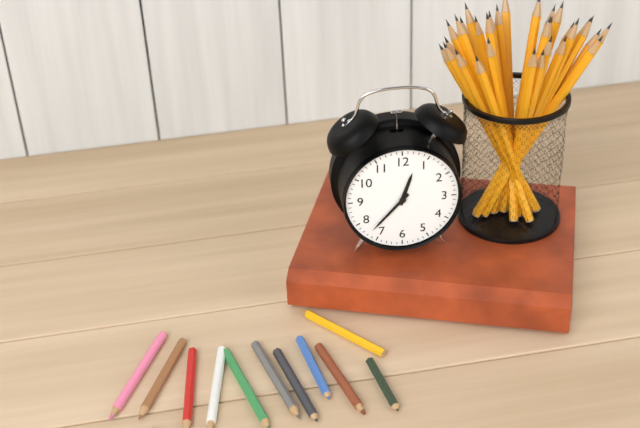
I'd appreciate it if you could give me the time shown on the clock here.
12:37
